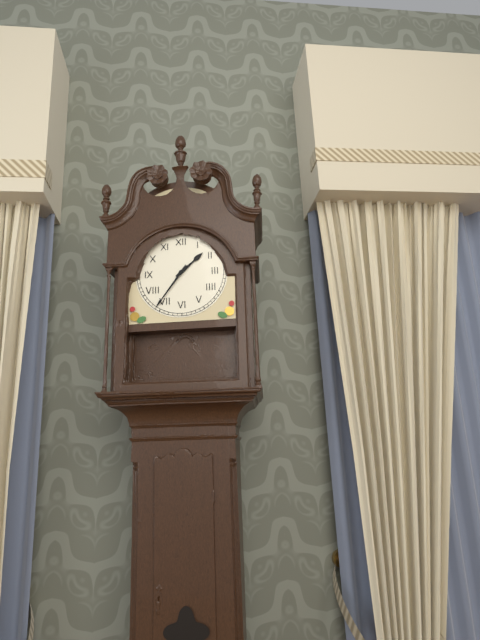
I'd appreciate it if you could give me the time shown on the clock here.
1:36
